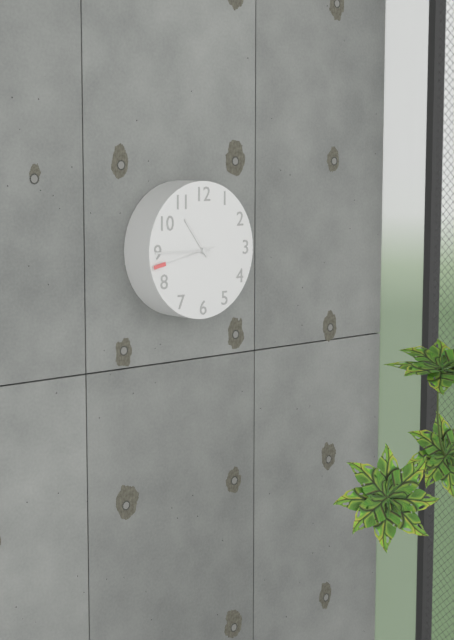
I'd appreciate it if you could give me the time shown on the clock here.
10:45:43
